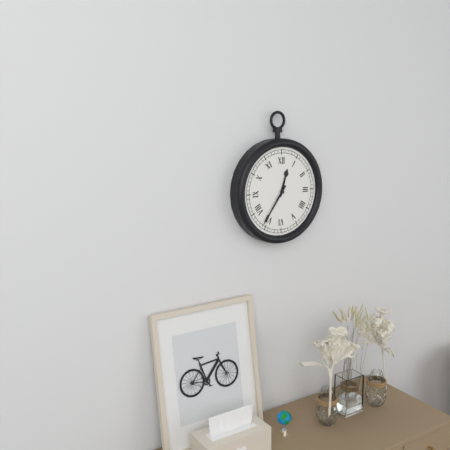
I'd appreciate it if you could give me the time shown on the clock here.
12:36
